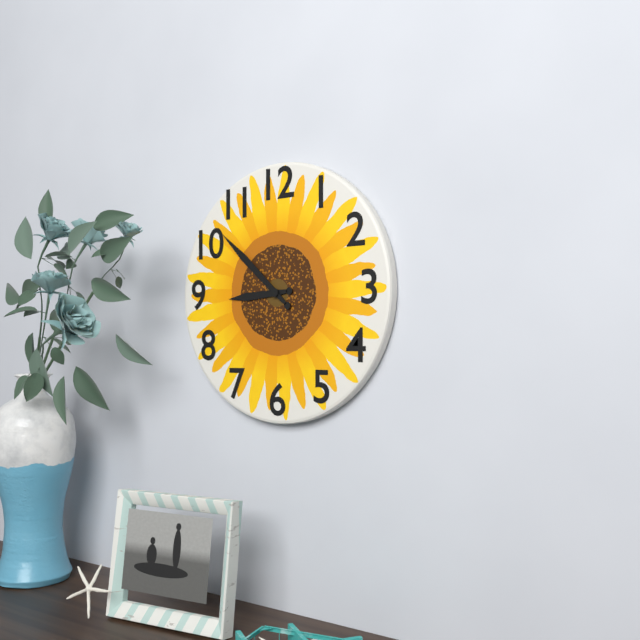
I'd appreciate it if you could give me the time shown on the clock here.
8:52
